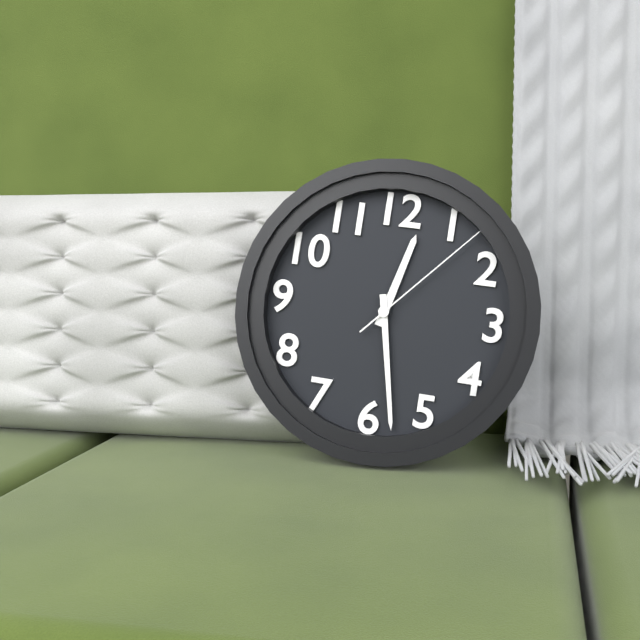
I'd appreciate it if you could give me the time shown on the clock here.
12:28:07
